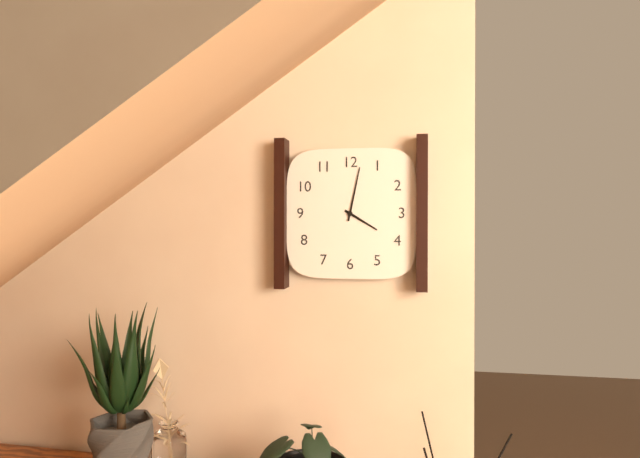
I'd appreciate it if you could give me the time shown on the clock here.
4:02
